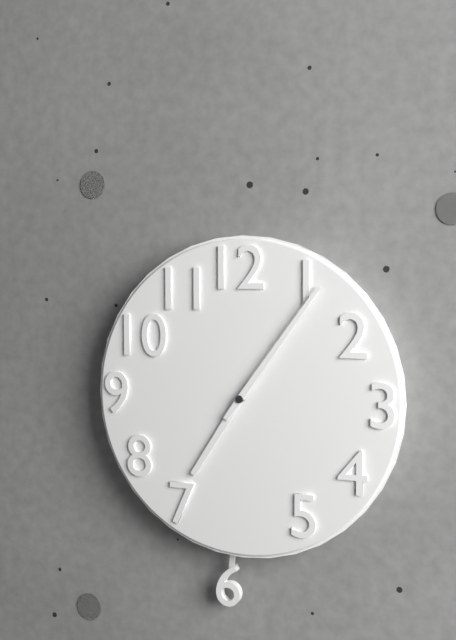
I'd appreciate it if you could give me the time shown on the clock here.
7:06
